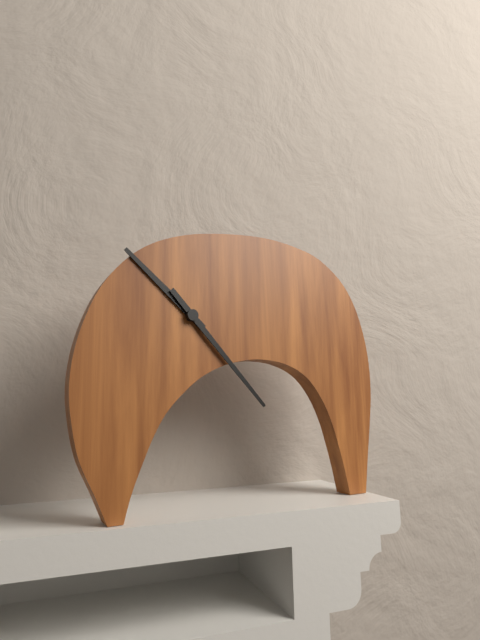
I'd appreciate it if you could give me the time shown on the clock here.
10:23
